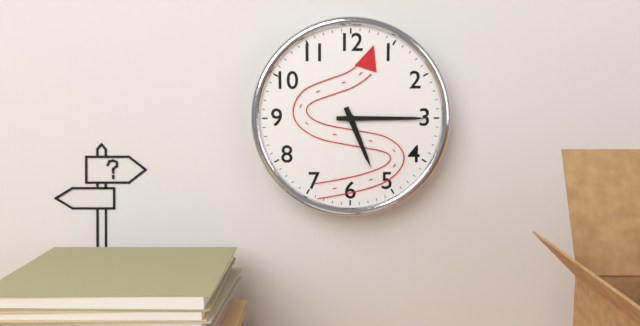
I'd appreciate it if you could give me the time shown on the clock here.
5:15
